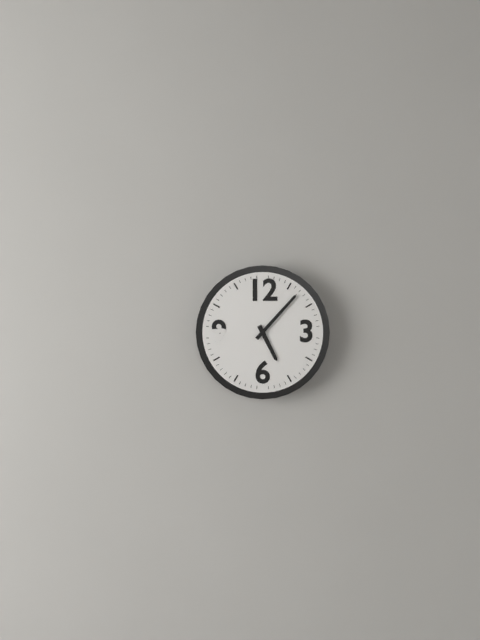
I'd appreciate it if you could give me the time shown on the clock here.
5:07
